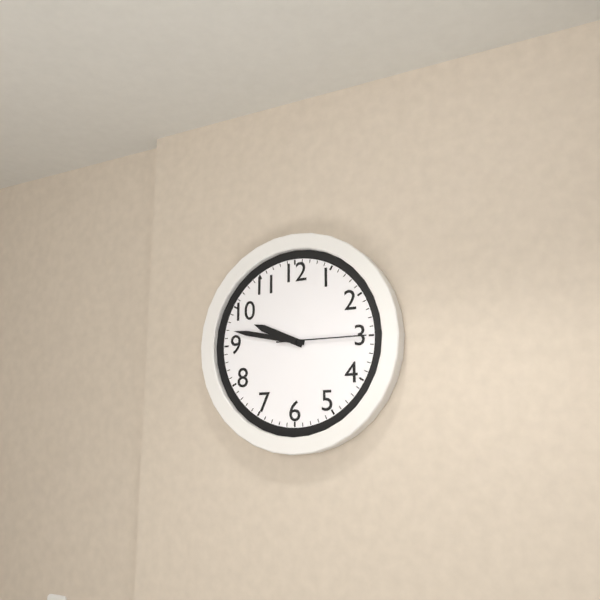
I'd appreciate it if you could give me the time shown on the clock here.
9:47:15
